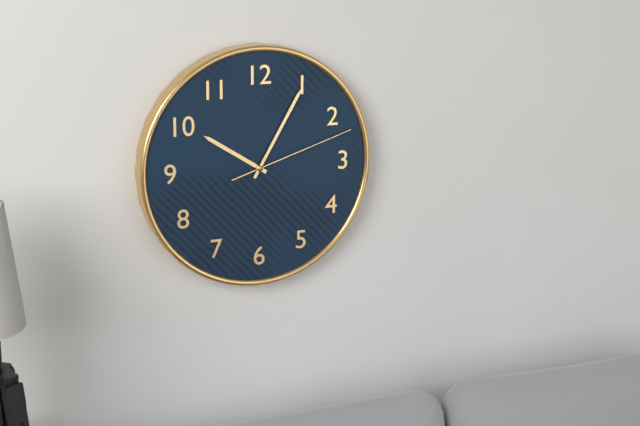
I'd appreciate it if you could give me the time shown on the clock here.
10:05:12
